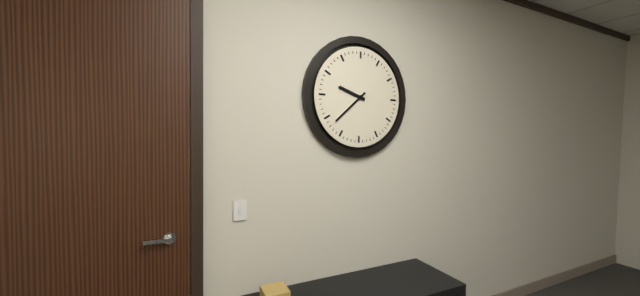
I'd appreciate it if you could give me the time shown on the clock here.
9:38
